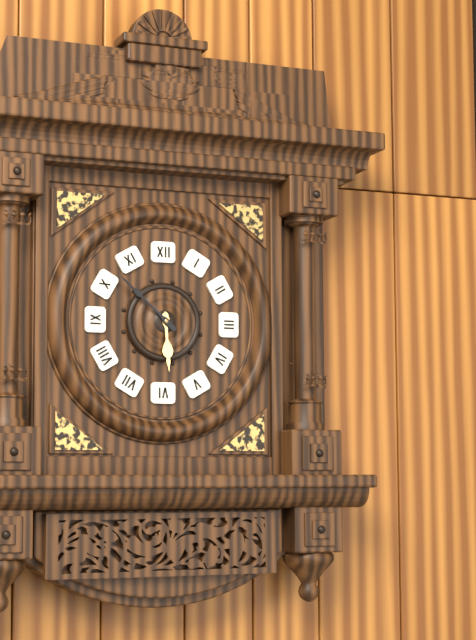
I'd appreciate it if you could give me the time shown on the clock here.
5:52
